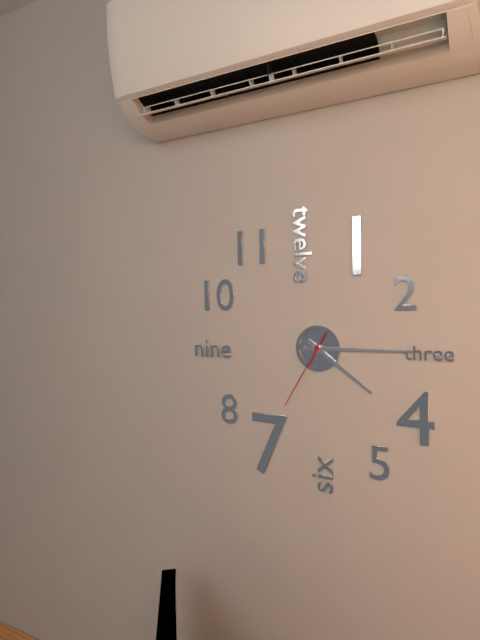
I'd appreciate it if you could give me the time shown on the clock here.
4:15:35
